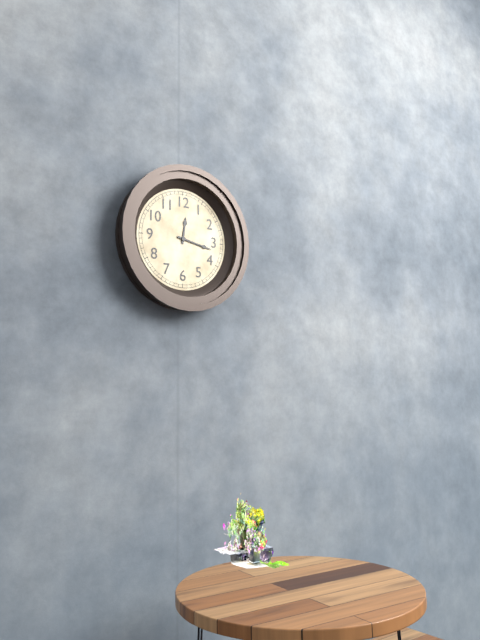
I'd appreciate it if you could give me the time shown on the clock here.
12:17
